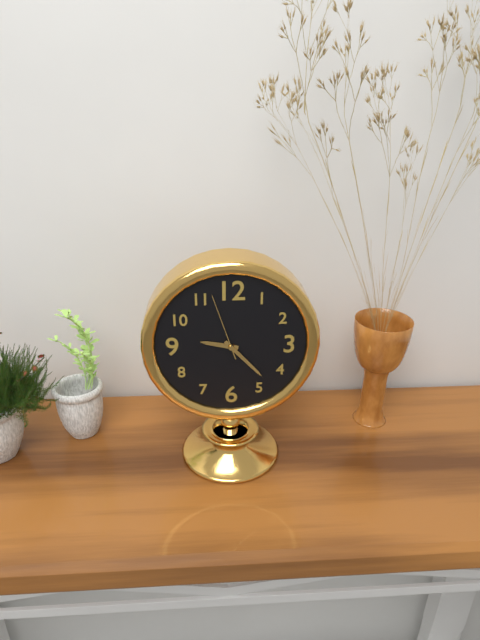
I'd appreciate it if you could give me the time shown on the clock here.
9:23:57
